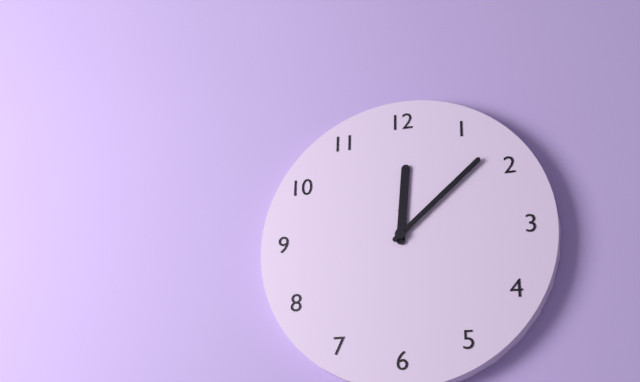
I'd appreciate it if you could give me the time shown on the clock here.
12:08
